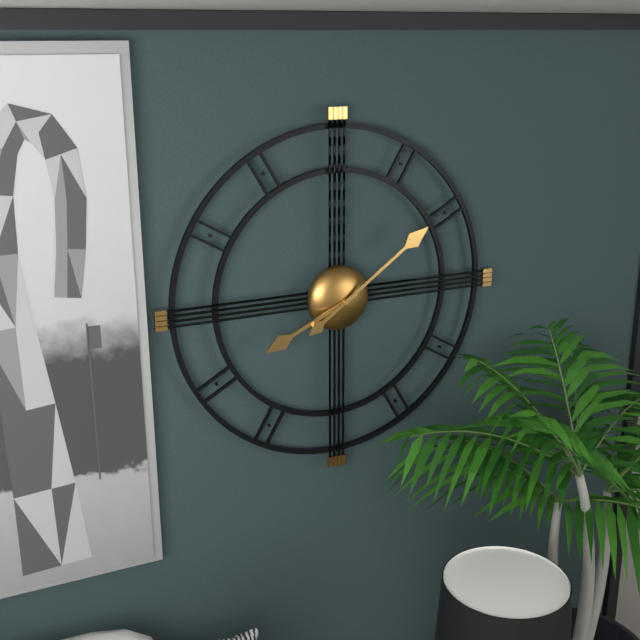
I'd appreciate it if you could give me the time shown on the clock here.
8:09
